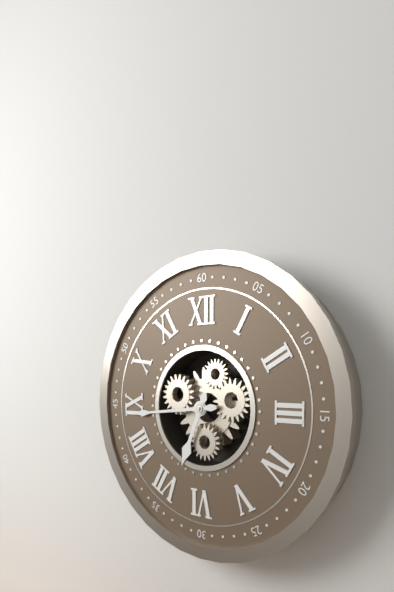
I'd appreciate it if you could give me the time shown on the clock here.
6:44
